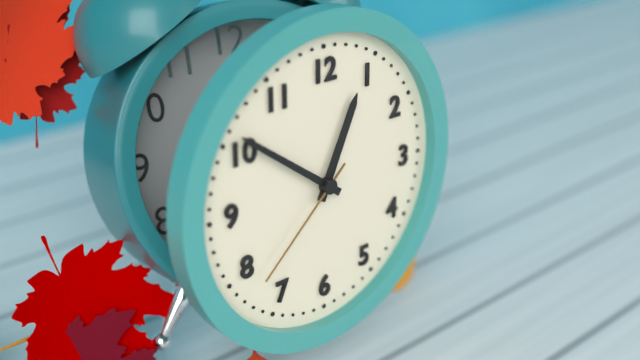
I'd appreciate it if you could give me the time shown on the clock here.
12:51:38
